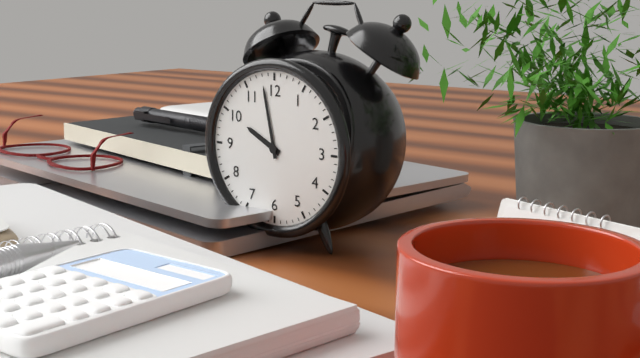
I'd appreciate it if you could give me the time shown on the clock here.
9:58
